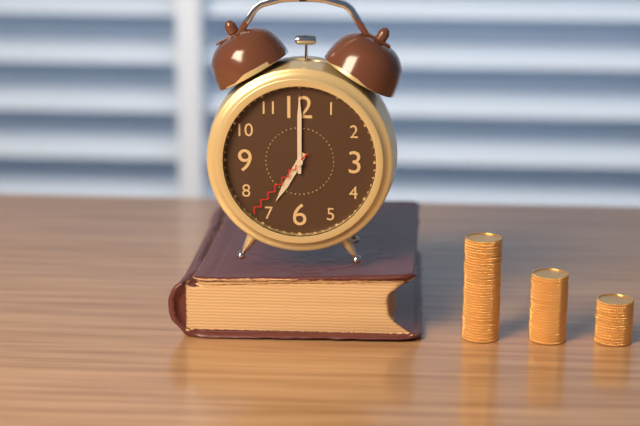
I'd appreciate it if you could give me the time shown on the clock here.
7:00:37
